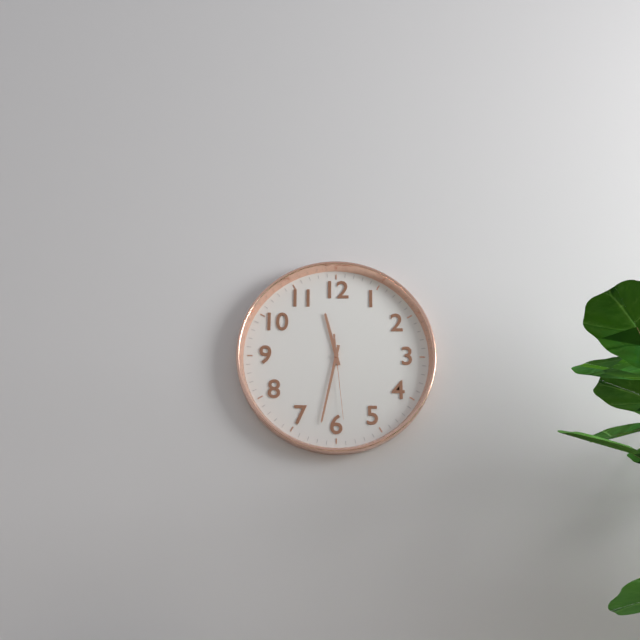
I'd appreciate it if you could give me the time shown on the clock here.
11:32:29
